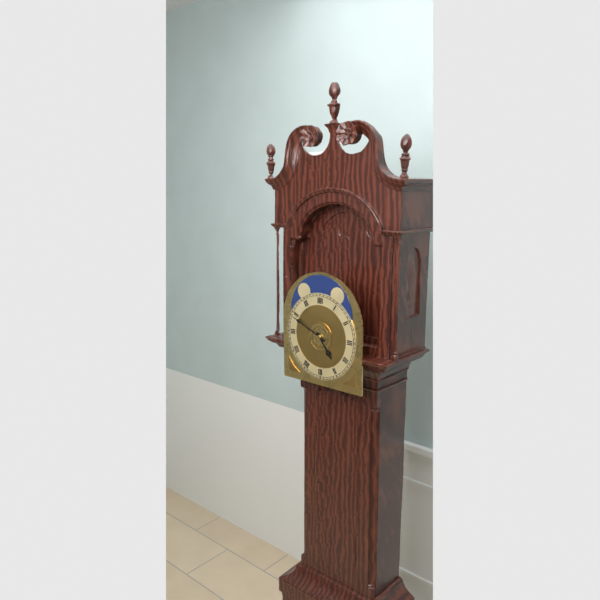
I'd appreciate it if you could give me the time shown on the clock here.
4:49
